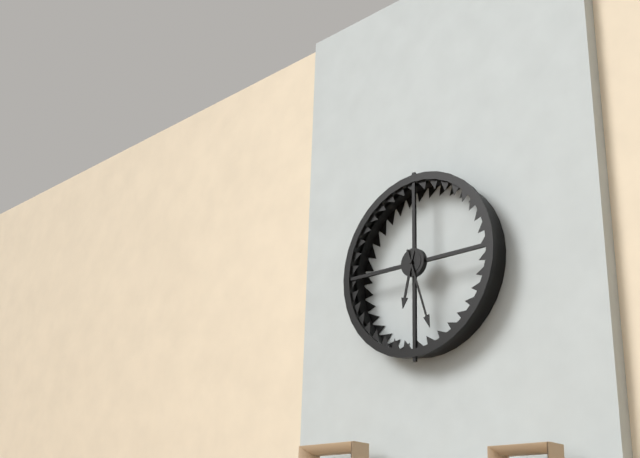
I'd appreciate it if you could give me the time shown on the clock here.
6:27
